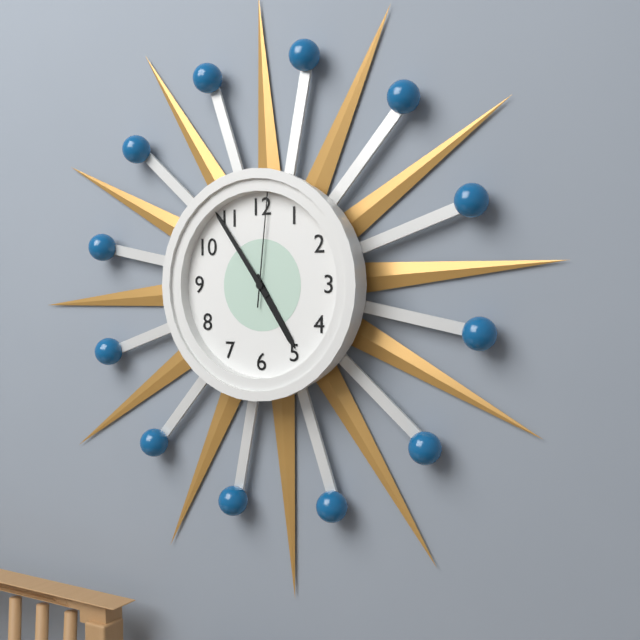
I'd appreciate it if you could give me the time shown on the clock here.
4:54:01
